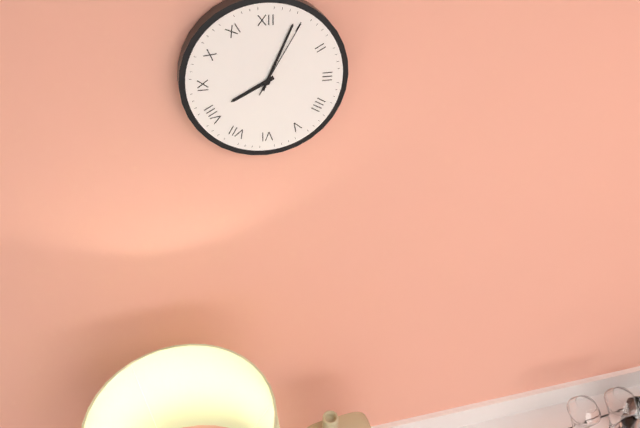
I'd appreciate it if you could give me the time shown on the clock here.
8:04:05
